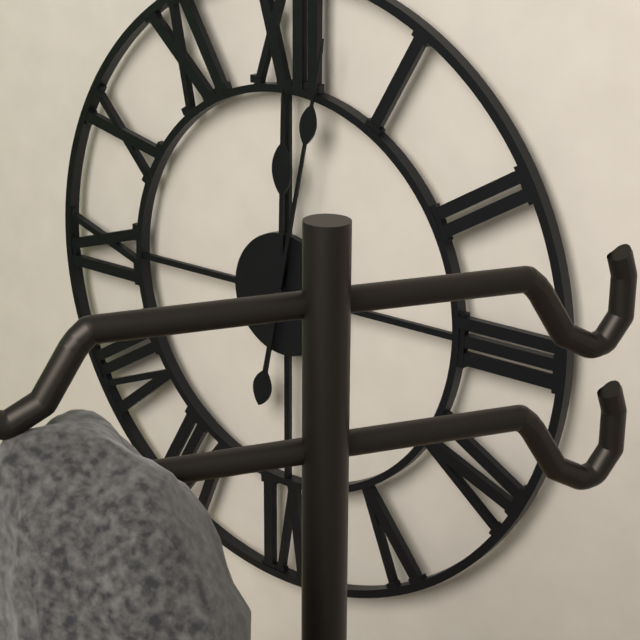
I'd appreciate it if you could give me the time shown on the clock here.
12:02
